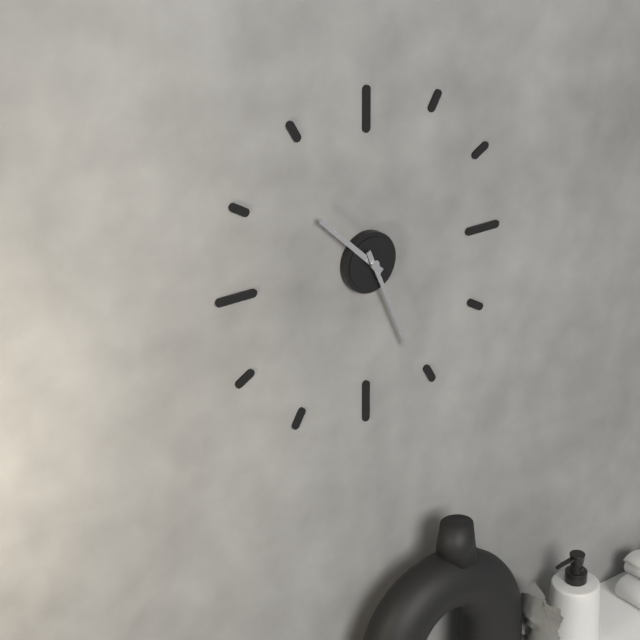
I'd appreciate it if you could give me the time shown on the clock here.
10:26
